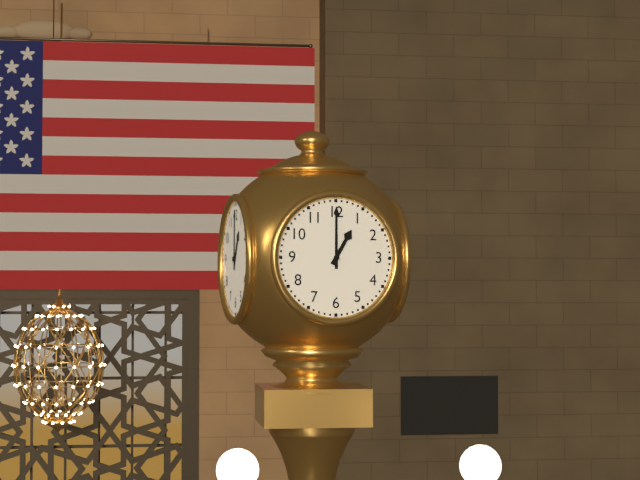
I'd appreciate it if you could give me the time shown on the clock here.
1:00
